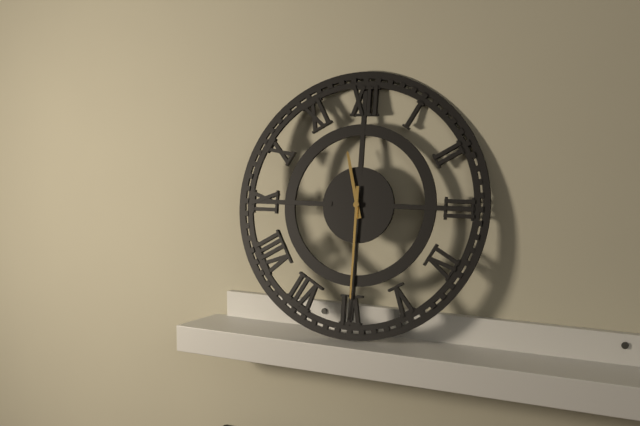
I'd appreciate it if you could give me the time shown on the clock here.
11:30
